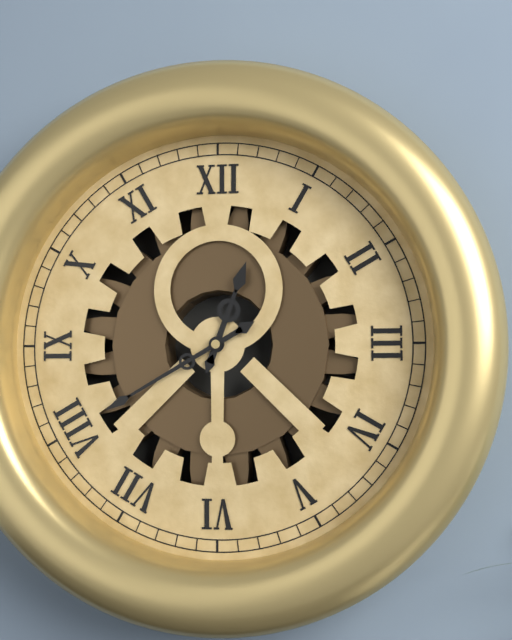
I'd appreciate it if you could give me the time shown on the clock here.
12:40
